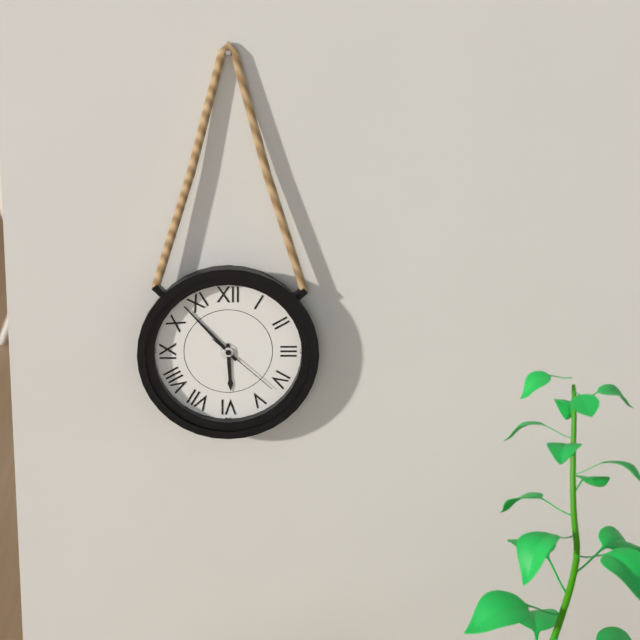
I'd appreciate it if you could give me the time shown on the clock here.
5:53:22
